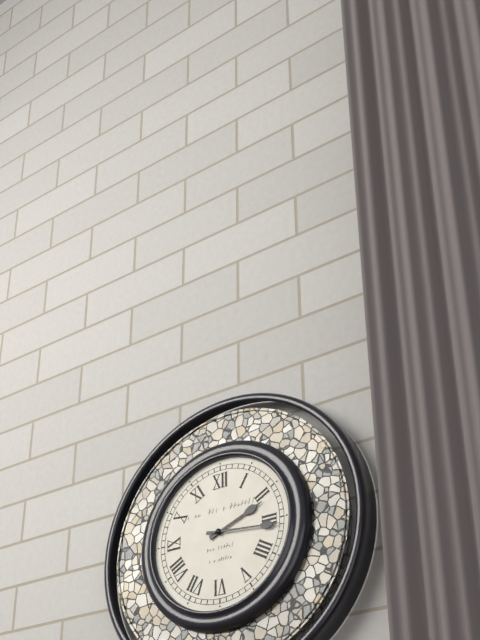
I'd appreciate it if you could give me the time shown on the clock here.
2:16
